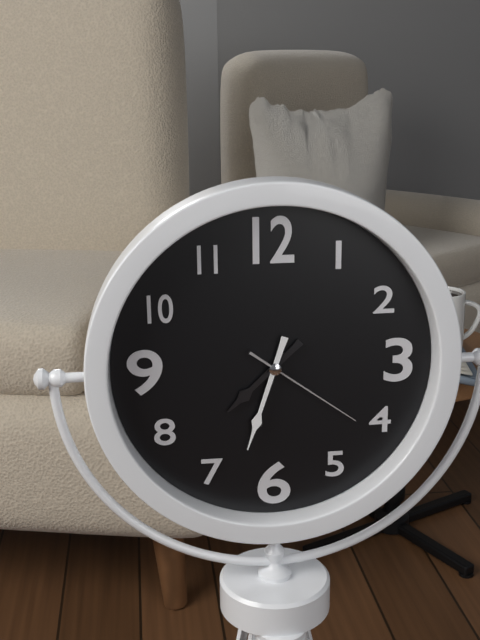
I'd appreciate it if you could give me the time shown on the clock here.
7:33:21
